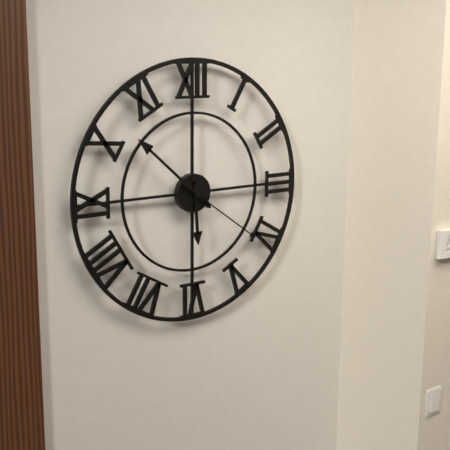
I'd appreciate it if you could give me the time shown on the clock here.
5:52:21
